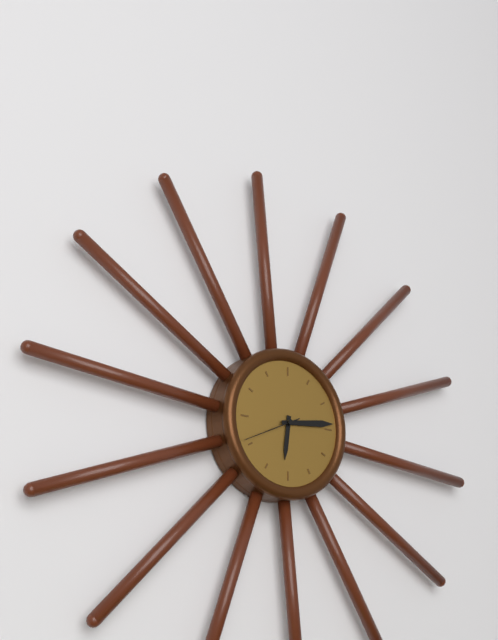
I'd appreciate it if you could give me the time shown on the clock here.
6:14:41
